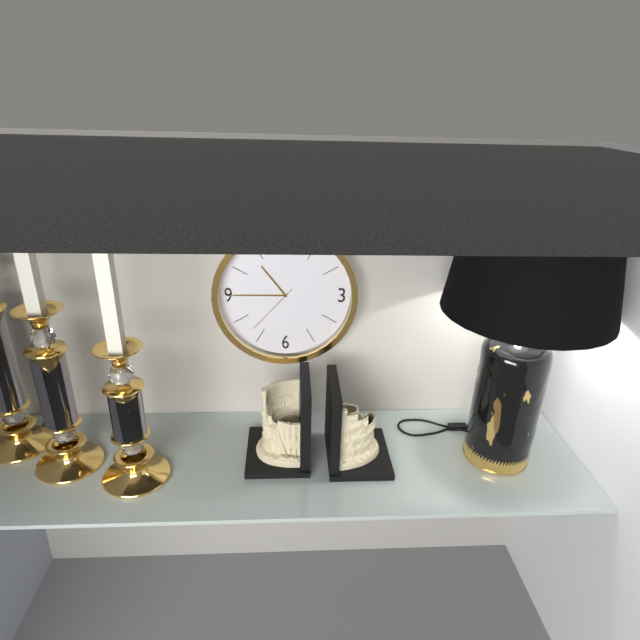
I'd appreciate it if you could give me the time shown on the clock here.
10:45:37
